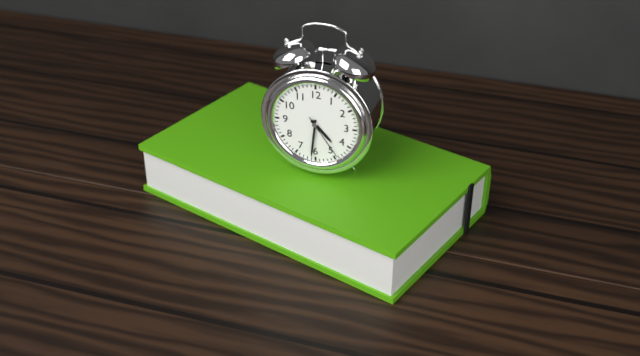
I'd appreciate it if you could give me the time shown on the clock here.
4:31
